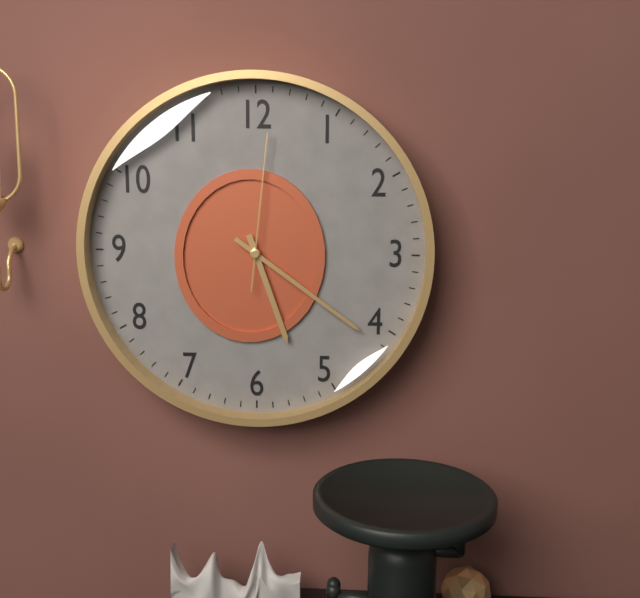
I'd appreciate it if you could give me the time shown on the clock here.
5:21:01
